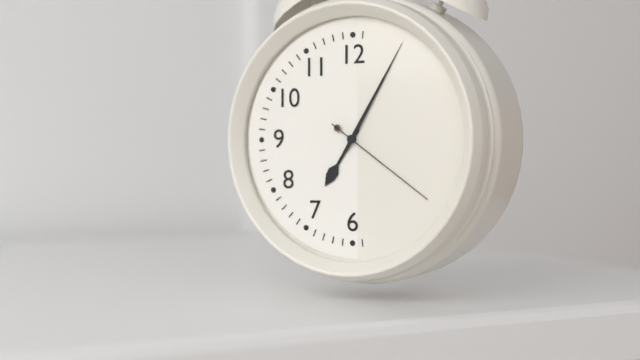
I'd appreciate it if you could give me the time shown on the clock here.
7:05:21
